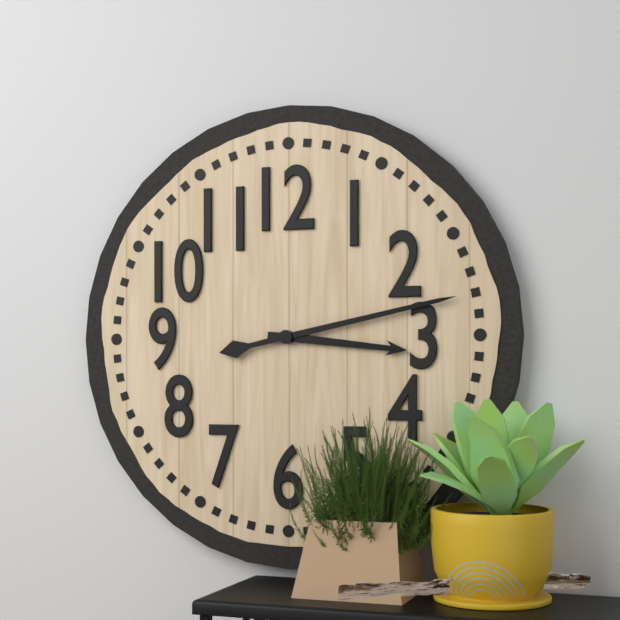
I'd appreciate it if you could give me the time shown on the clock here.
3:13
